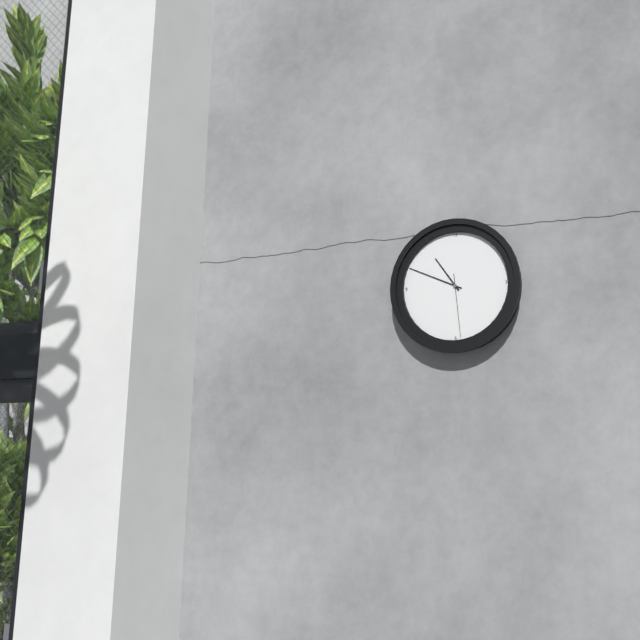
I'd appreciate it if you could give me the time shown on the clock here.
10:49:29
